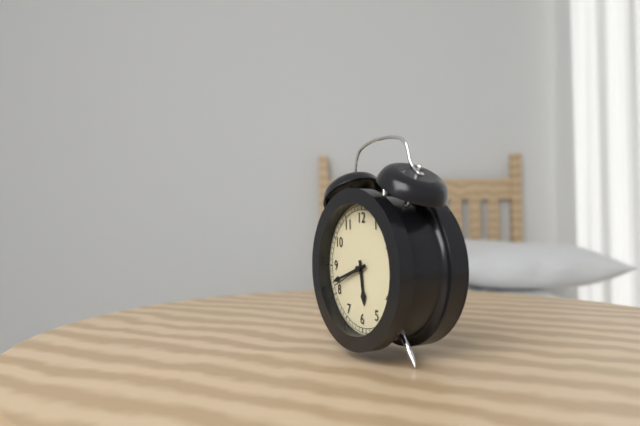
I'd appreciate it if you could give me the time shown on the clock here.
5:42:41
